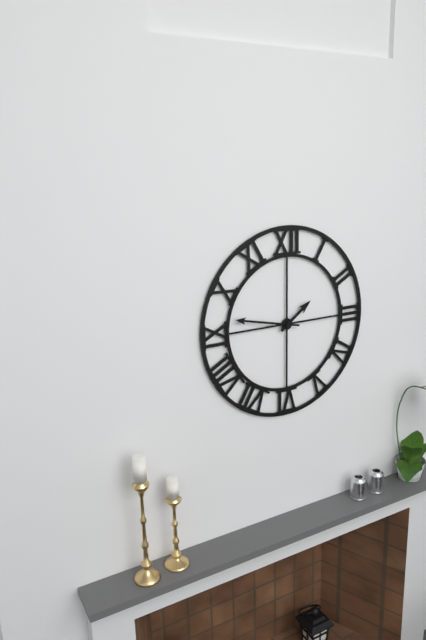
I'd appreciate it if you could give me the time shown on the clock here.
1:47
